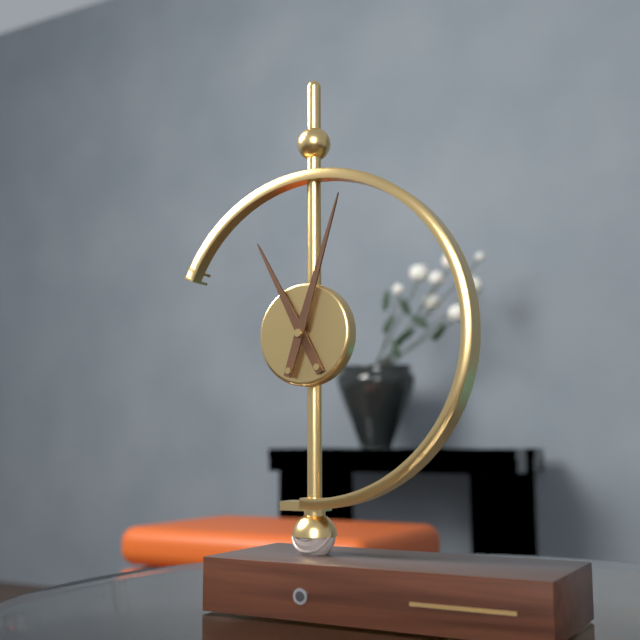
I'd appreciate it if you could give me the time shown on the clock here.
11:03
